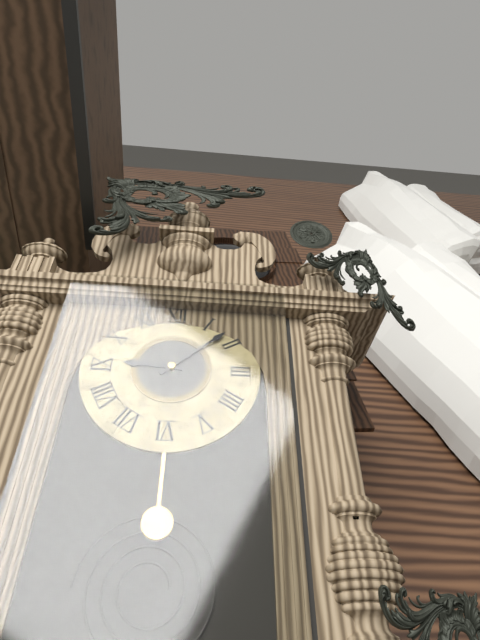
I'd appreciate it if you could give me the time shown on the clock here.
9:08
